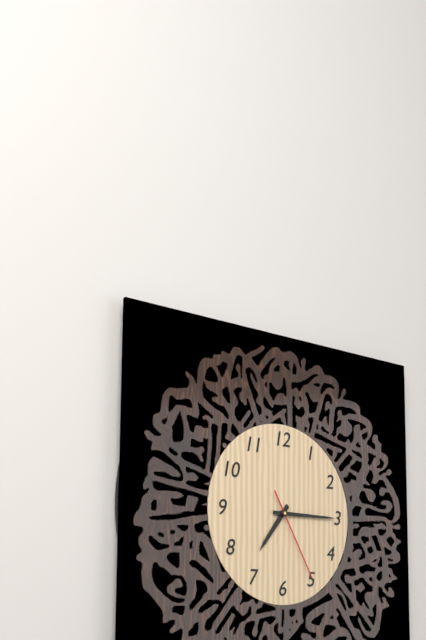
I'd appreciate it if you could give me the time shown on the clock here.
7:15:25
